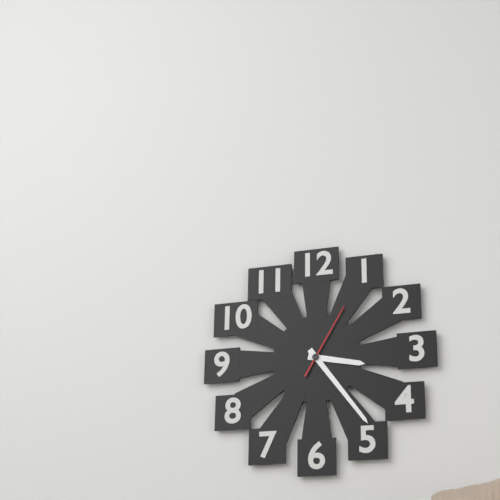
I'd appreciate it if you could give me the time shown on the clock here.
3:24:05
